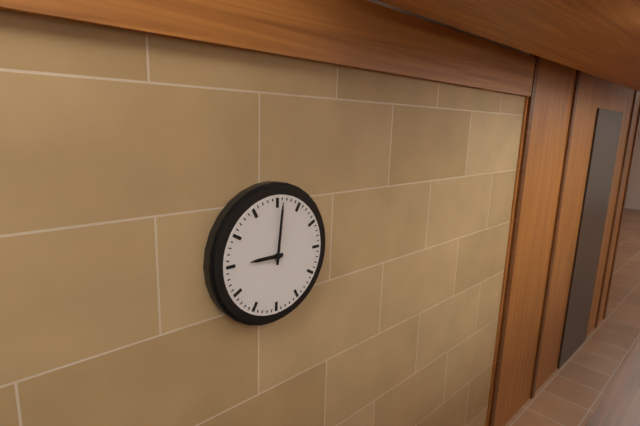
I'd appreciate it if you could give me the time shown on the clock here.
9:01
